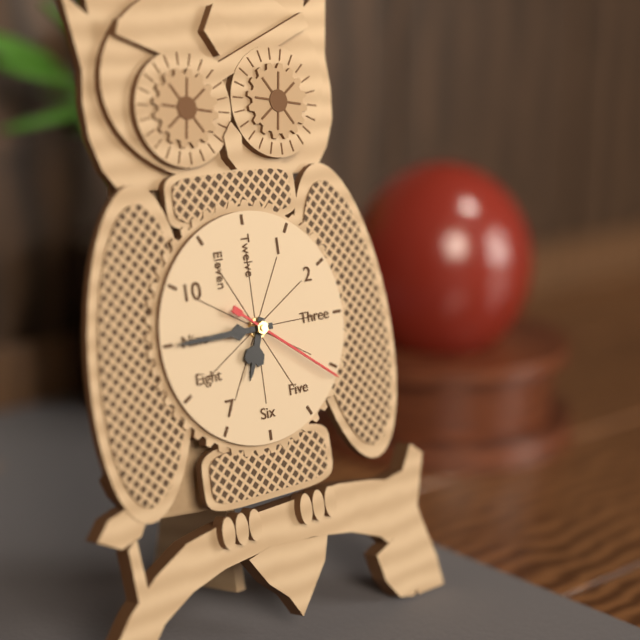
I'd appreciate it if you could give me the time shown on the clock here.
6:45:21
